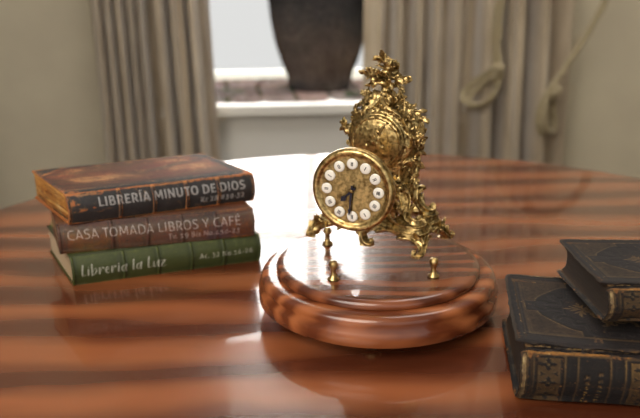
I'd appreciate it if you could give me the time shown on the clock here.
7:31
